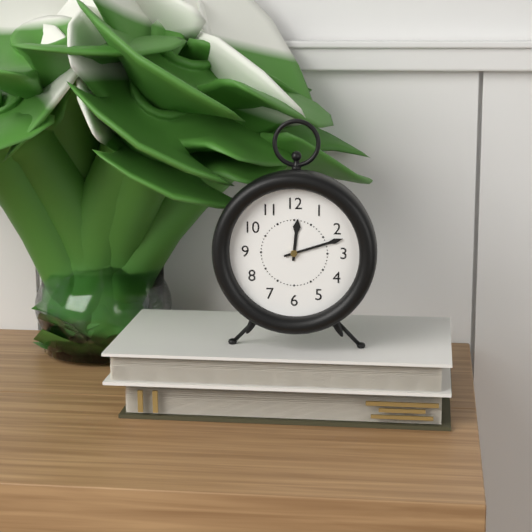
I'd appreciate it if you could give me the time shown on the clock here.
12:12
